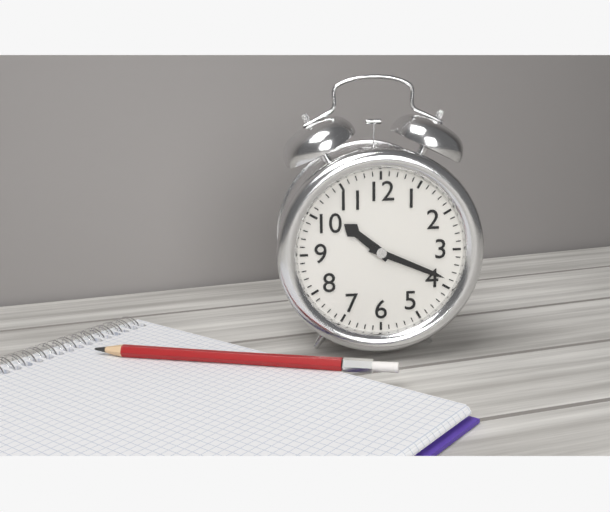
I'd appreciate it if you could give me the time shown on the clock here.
10:19
